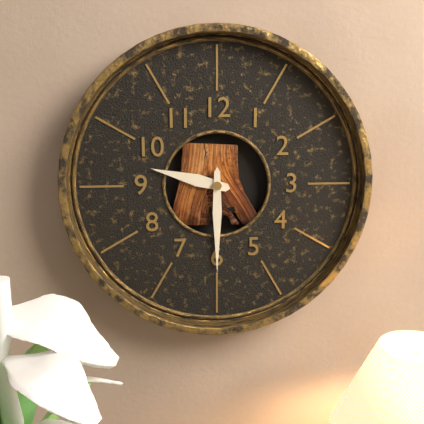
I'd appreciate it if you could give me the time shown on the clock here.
9:30
